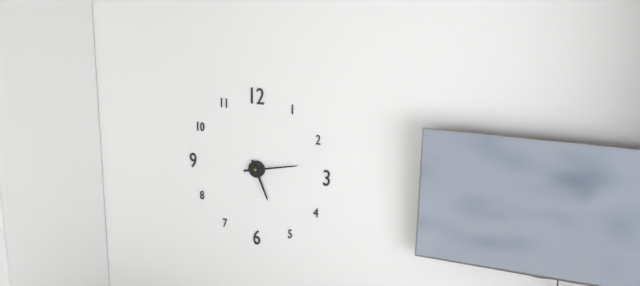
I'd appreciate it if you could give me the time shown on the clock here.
5:13
